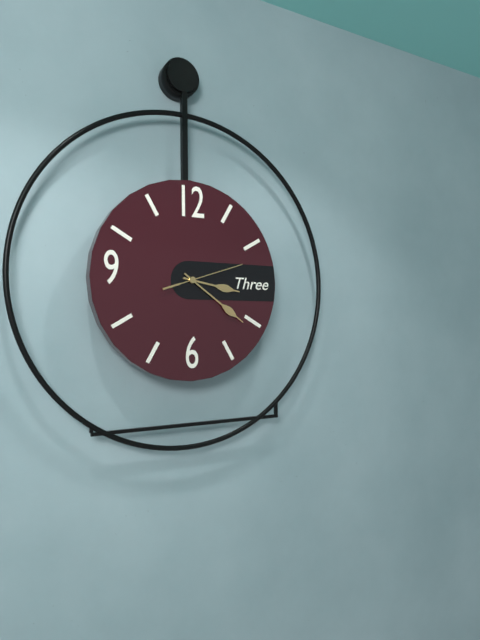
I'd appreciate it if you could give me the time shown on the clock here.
3:21:12
